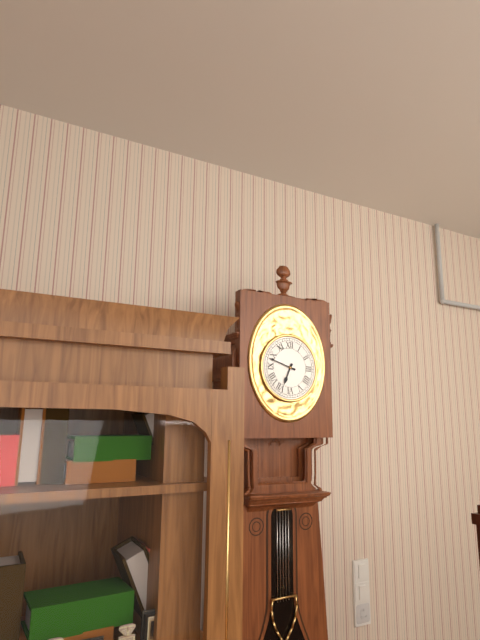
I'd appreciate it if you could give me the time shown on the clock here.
6:48
